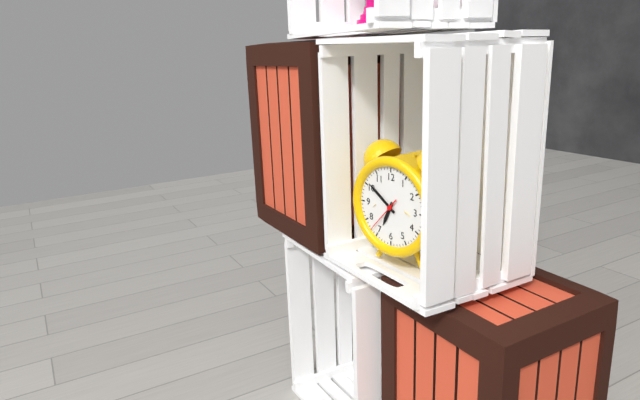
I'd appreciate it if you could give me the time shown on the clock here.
6:51
